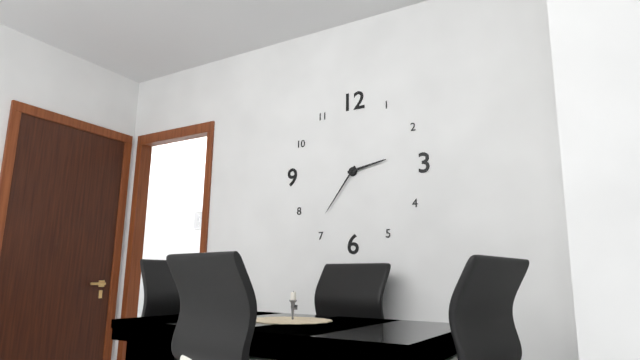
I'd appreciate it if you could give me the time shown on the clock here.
2:36
